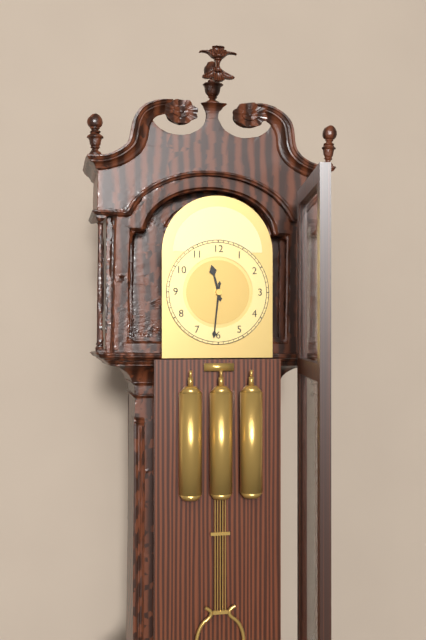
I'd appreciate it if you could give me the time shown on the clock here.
11:31
